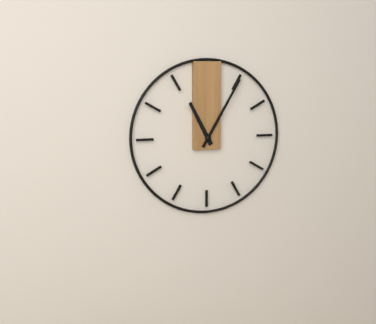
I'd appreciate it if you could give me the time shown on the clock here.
11:05
